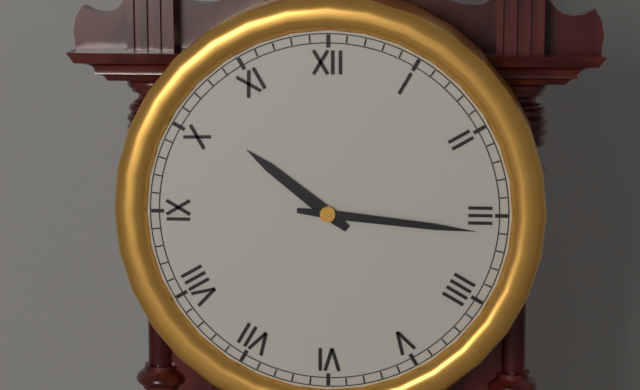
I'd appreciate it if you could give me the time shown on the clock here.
10:16
